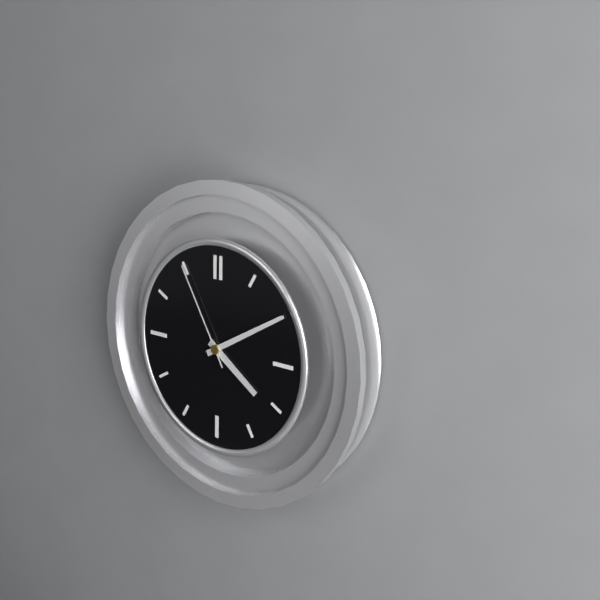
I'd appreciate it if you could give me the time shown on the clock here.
4:10:55
